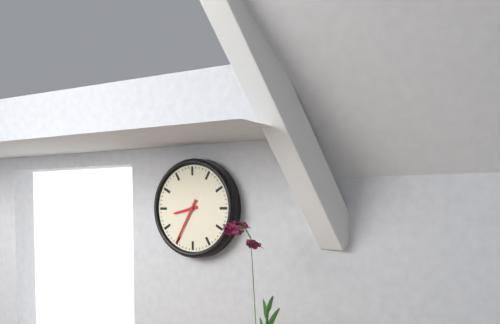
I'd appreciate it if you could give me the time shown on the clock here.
8:35
